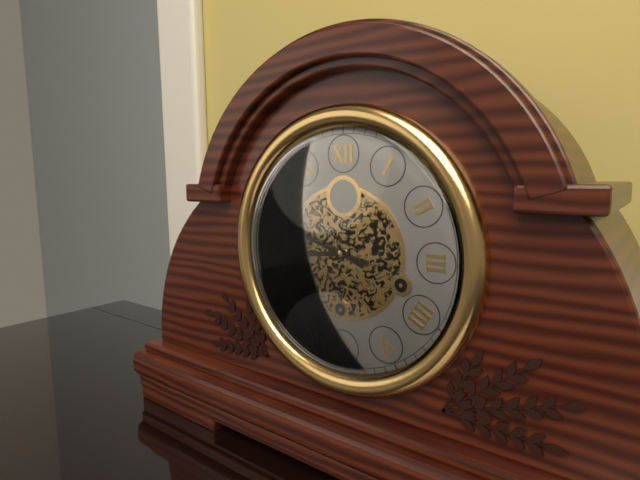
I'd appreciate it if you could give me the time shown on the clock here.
8:48
